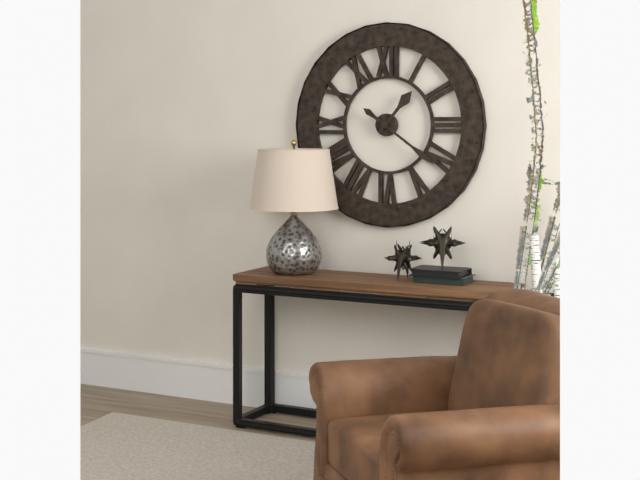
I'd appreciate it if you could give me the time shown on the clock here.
1:21
